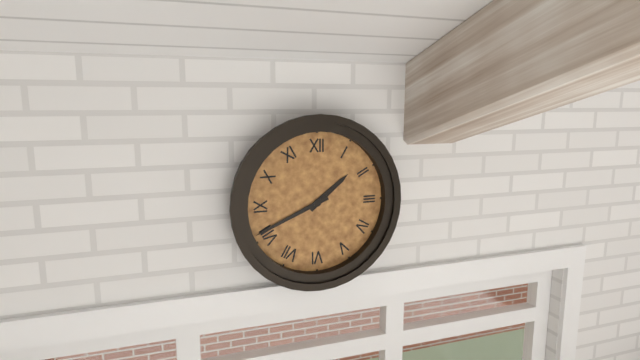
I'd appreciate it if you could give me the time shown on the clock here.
1:41
